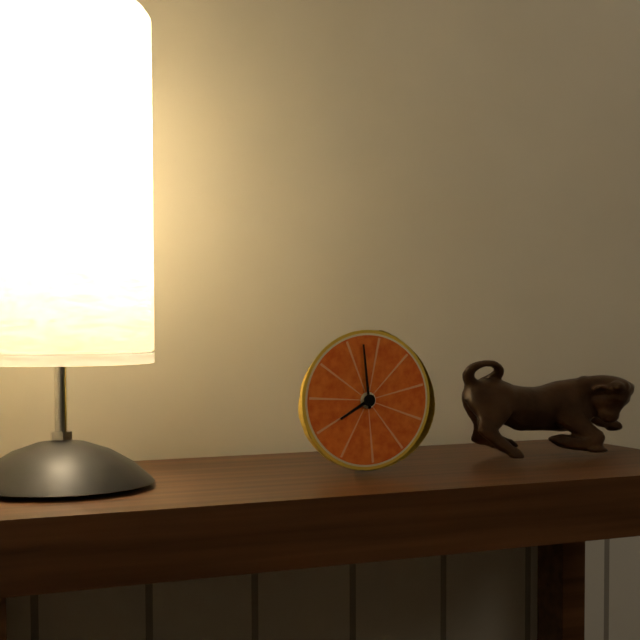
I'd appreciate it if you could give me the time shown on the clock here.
7:59
